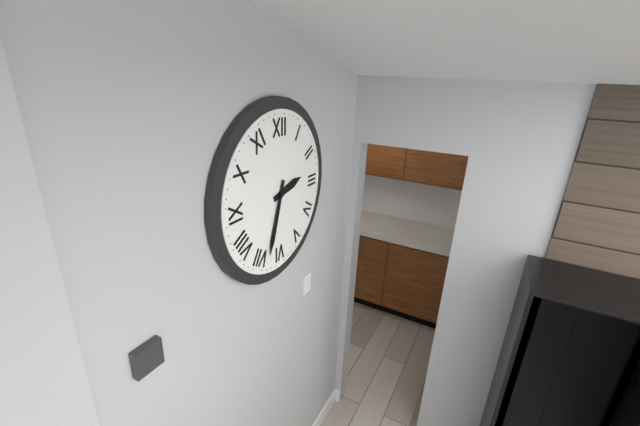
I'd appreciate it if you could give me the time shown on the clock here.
2:33
